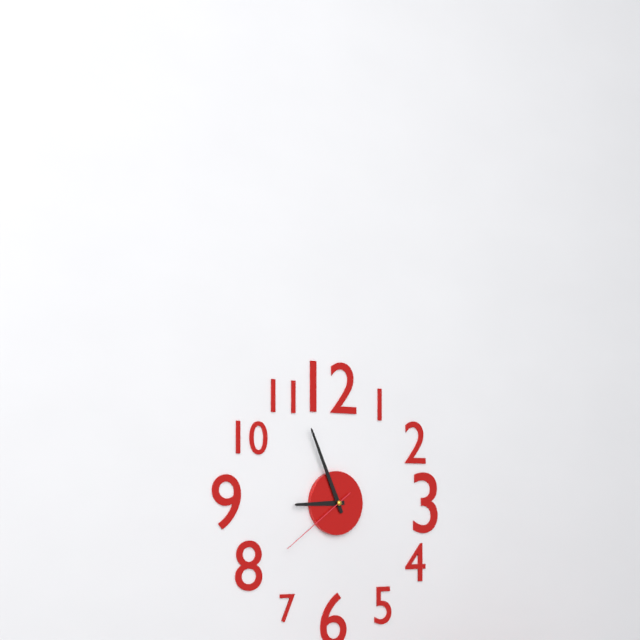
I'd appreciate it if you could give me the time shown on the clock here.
8:56:39
